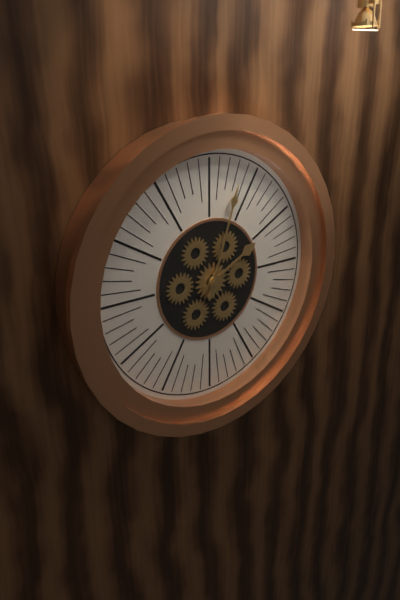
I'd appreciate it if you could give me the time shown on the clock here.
2:03
